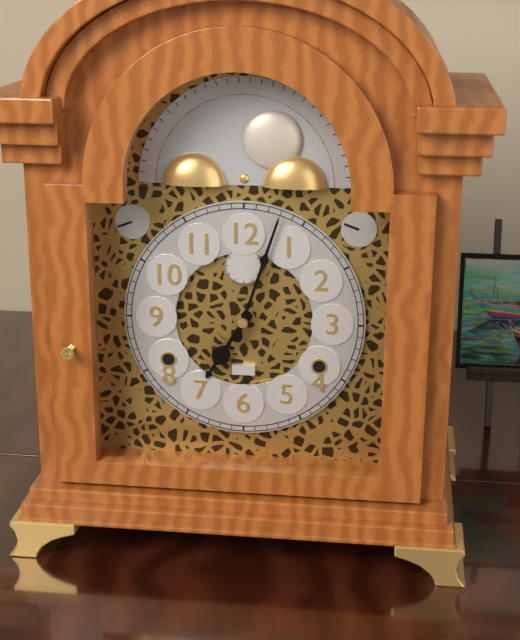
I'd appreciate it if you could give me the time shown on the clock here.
7:03
